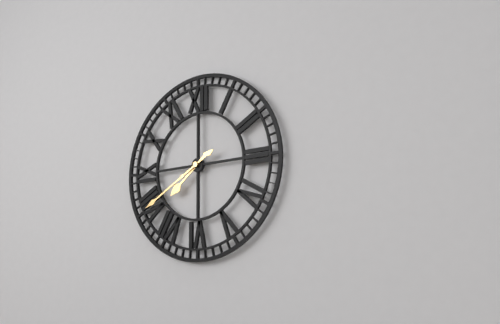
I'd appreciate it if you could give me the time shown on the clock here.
7:40
